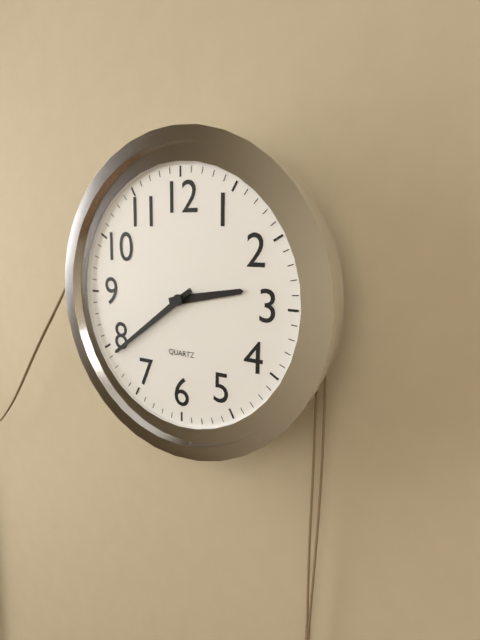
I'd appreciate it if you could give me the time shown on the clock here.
2:39
